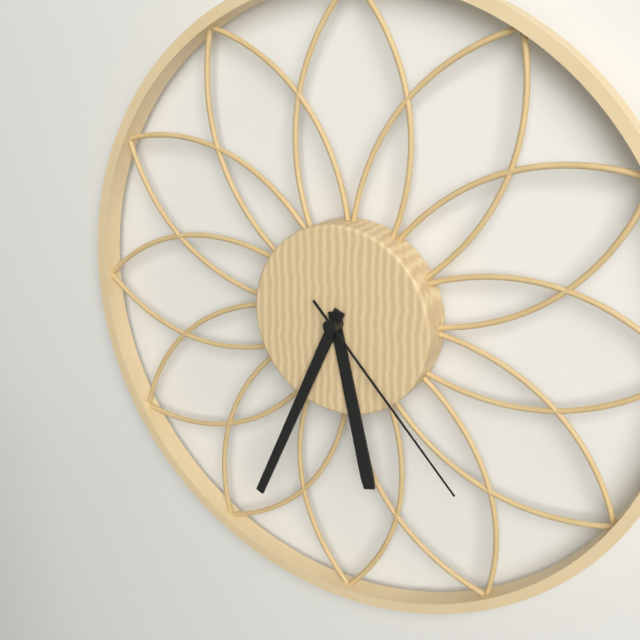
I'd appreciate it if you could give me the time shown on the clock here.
5:34:23
